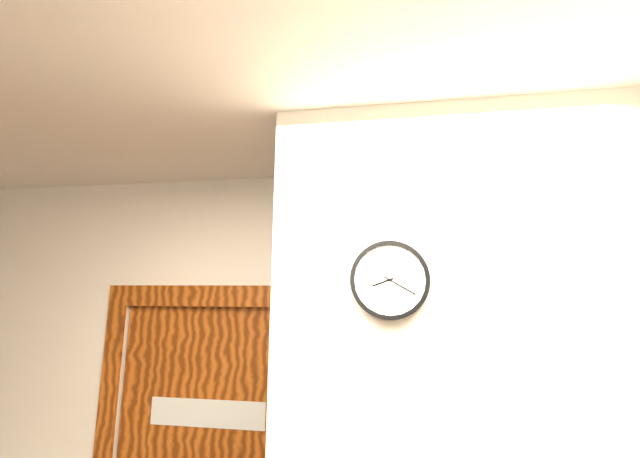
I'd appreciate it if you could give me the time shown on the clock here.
8:20
